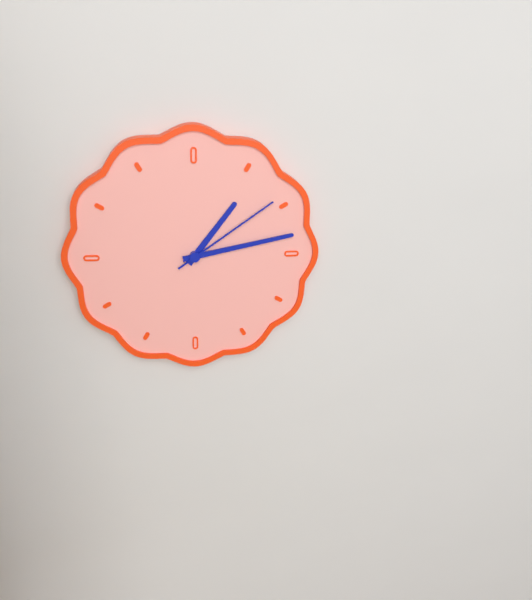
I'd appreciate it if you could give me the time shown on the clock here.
1:13:09
